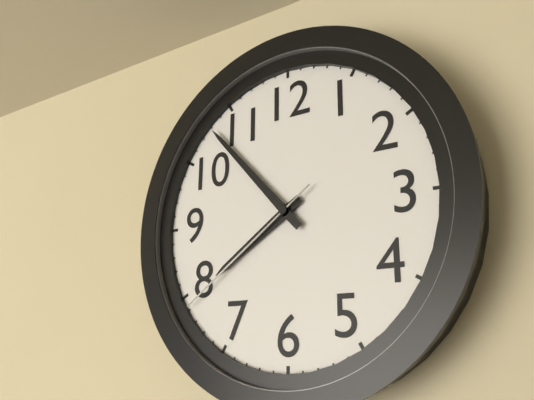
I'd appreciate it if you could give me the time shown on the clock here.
7:53:39
